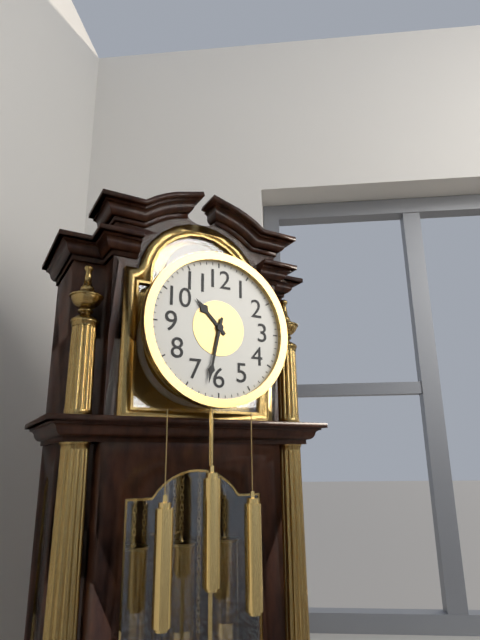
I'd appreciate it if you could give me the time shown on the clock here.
10:32
